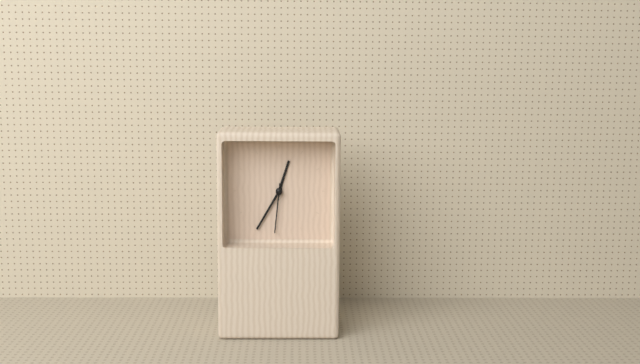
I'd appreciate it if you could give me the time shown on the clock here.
12:35:31
